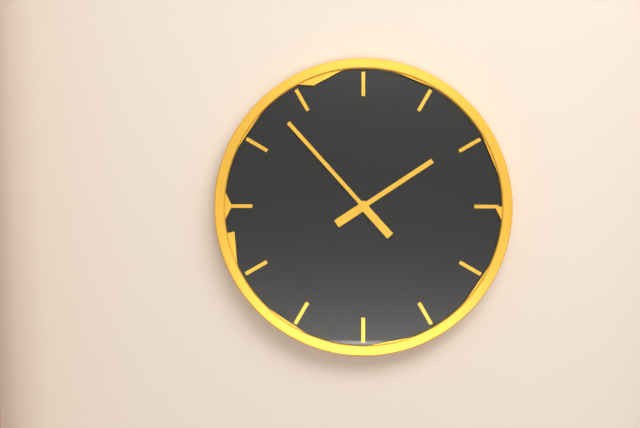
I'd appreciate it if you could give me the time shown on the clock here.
1:53
